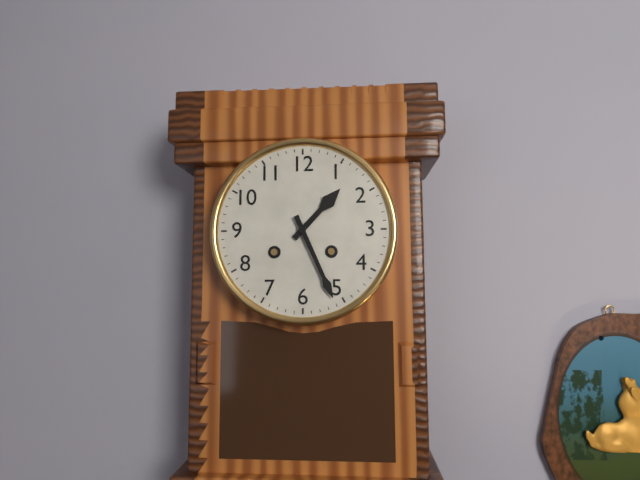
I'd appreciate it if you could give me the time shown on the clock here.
1:26
